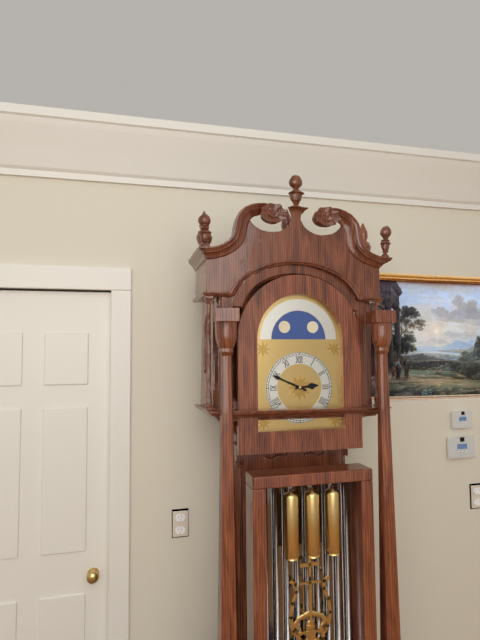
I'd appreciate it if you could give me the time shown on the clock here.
2:49
